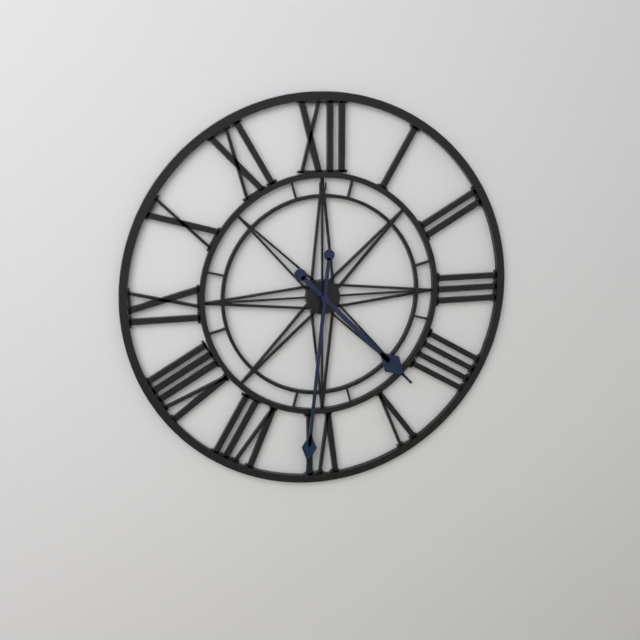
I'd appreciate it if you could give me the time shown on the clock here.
4:31
